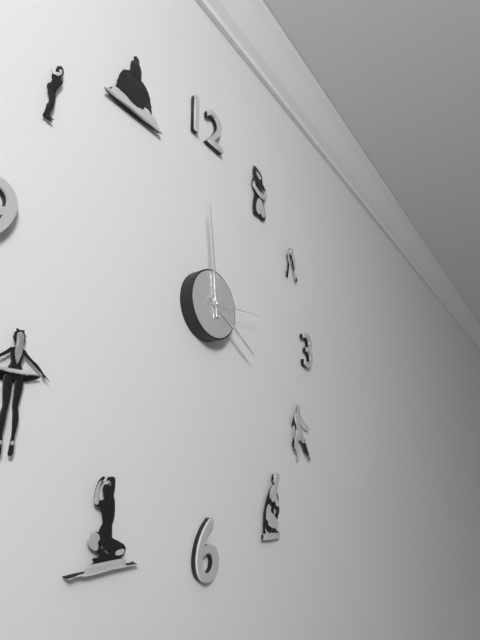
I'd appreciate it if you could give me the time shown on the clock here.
3:59:14
